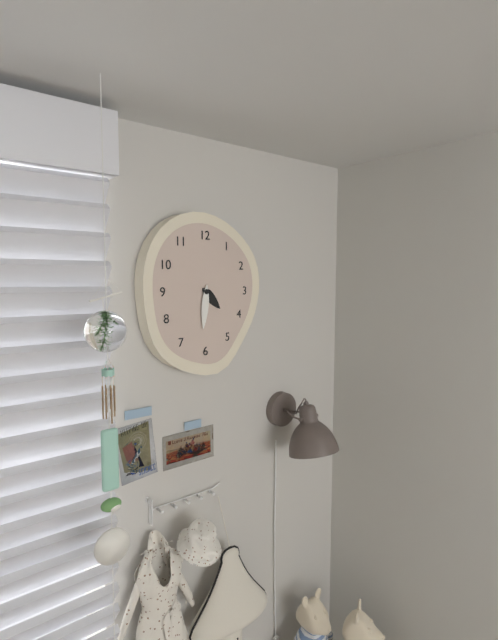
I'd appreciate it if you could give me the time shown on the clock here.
4:31
